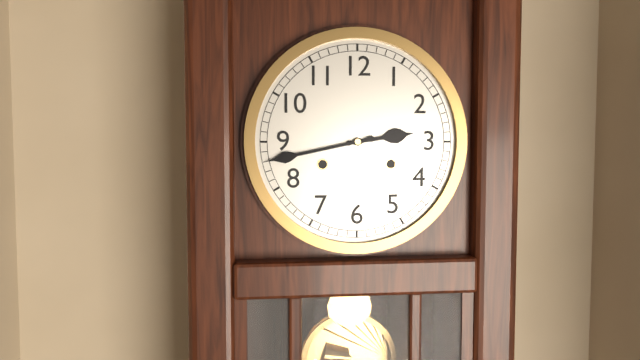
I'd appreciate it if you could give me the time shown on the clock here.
2:43
